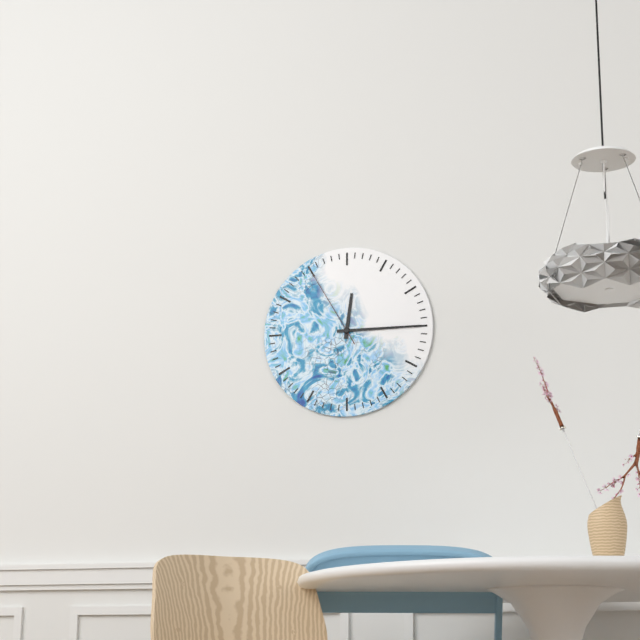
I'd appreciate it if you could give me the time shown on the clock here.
12:15:55
